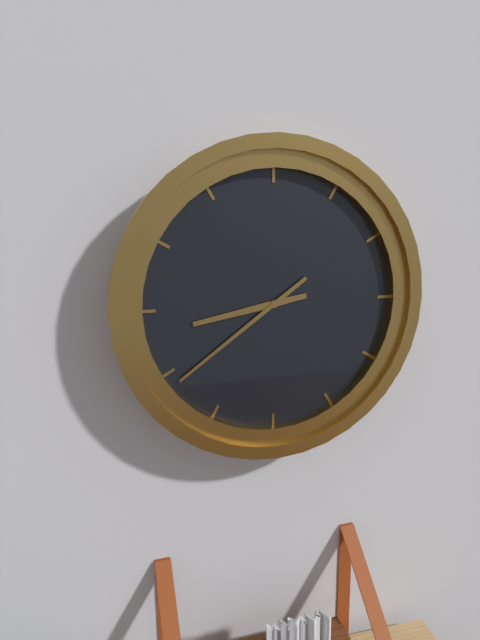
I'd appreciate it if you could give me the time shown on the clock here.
8:39
